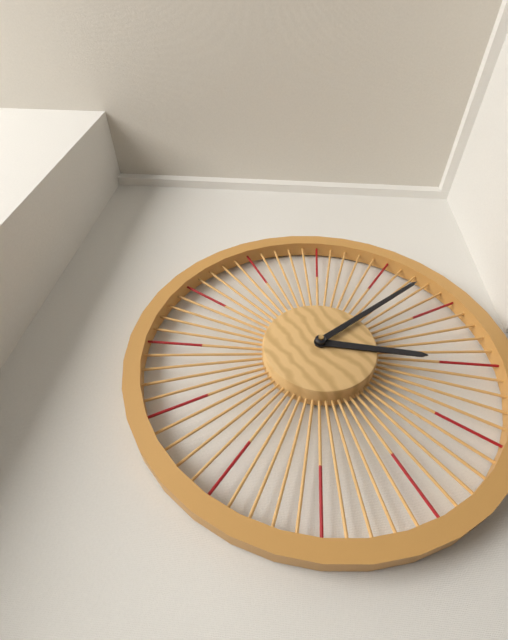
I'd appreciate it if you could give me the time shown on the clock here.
3:08
